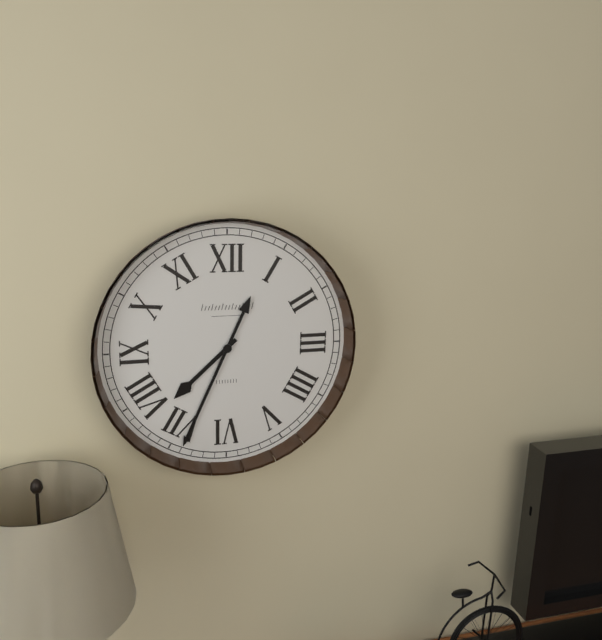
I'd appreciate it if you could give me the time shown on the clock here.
7:34
